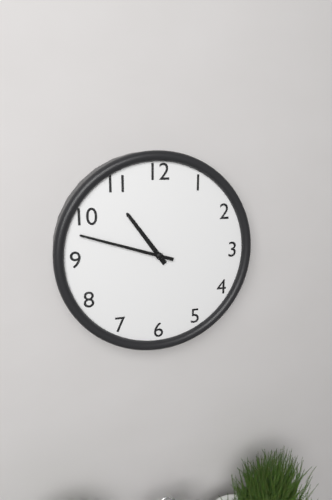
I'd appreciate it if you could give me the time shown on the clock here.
10:48
